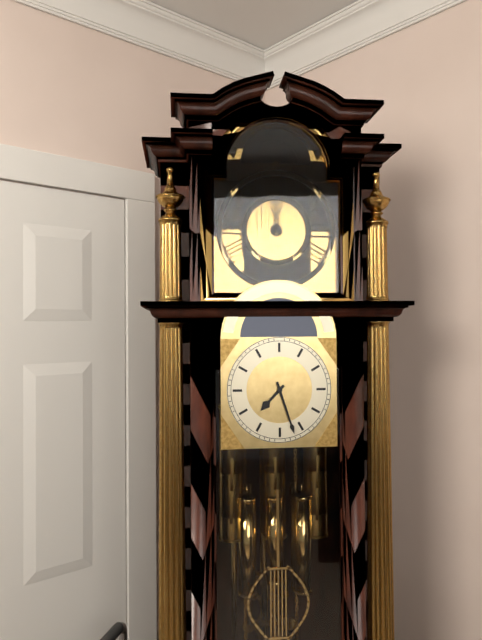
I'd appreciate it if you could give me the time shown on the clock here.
7:27
